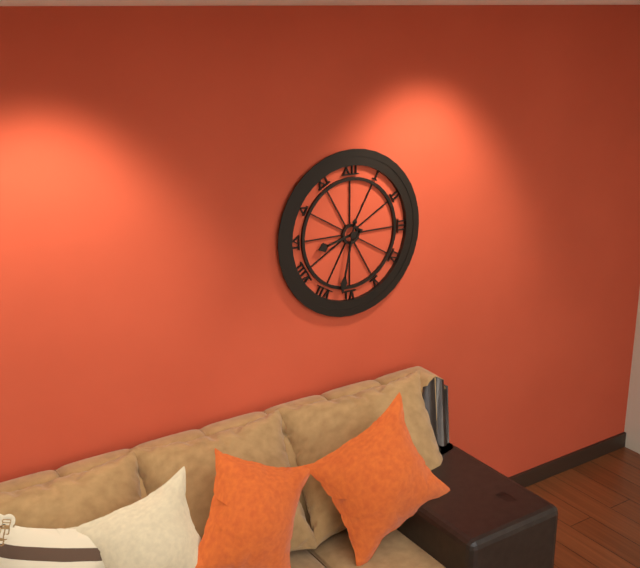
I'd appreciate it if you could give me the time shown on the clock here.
8:32
